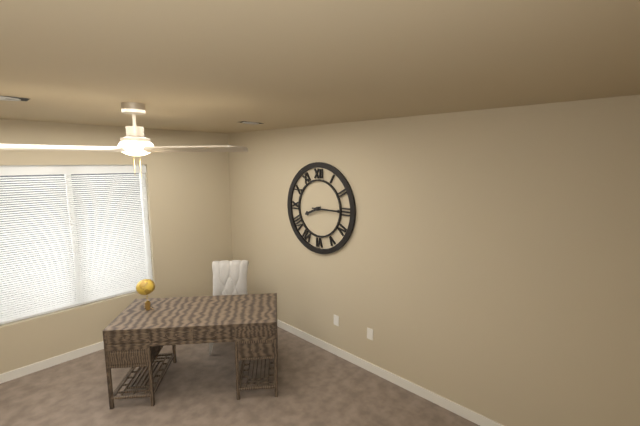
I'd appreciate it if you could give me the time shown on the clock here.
8:15
